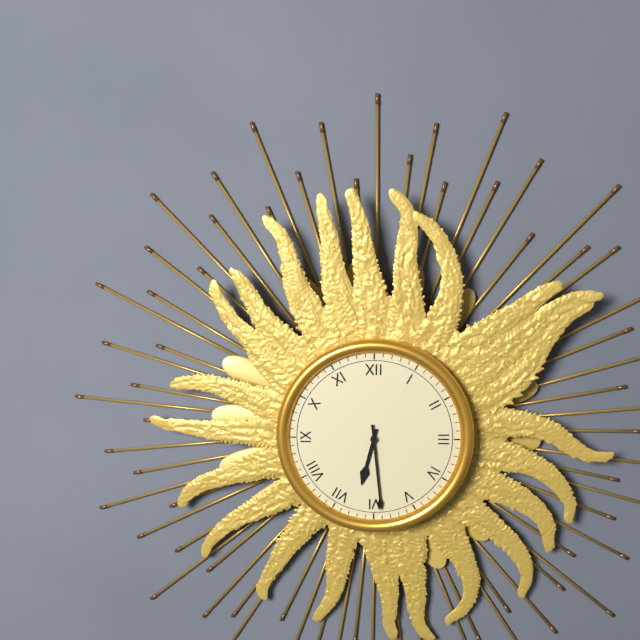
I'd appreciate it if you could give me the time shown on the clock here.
6:29
